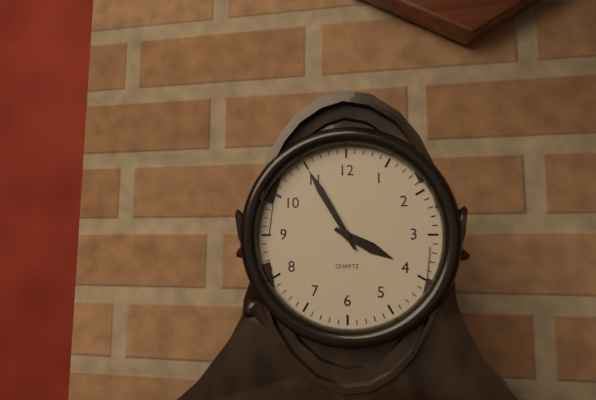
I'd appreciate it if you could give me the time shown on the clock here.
3:55
